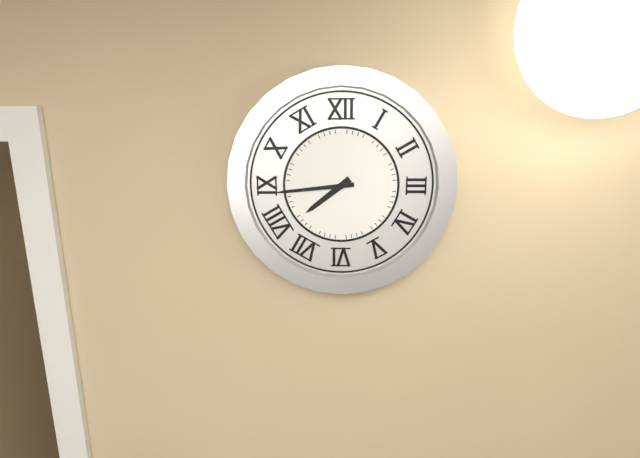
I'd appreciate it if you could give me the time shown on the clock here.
7:44
